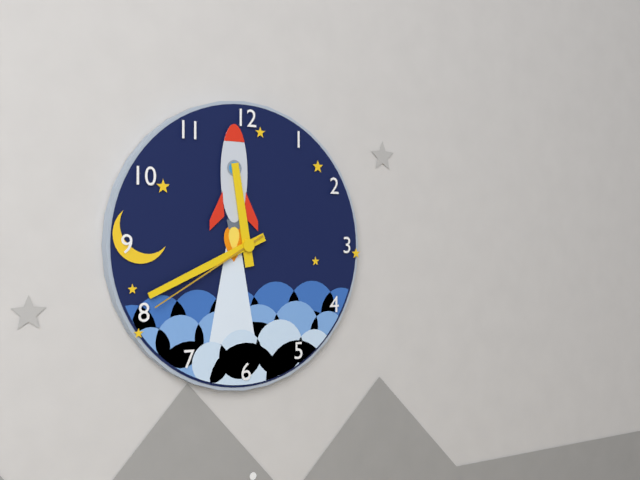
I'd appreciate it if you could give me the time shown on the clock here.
11:41:40
